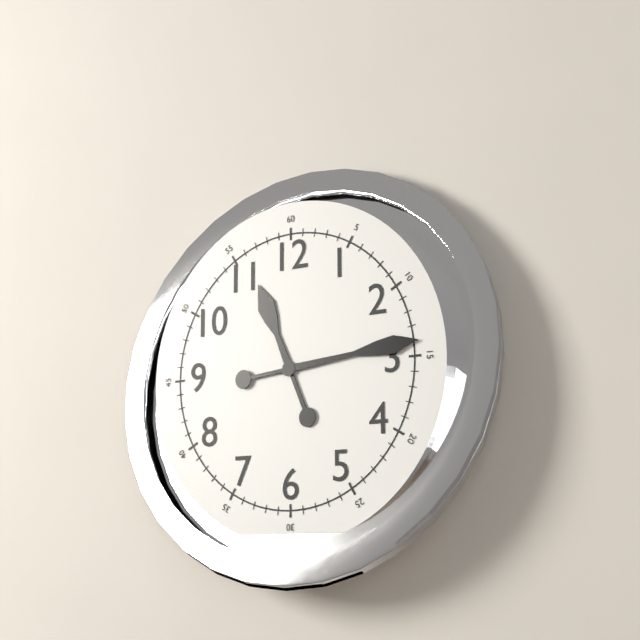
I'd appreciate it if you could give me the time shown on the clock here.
11:14
